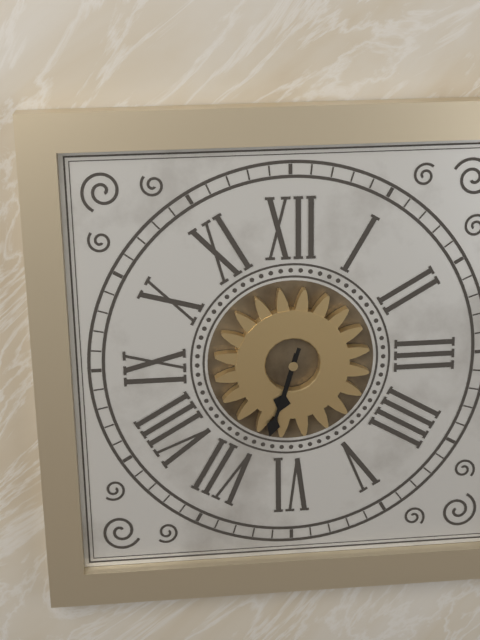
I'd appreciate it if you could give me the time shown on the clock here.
6:33
